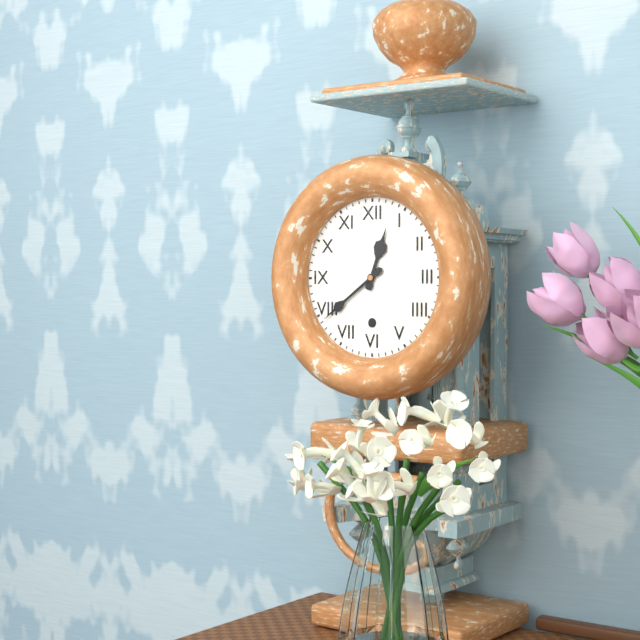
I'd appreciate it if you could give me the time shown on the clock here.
12:39
